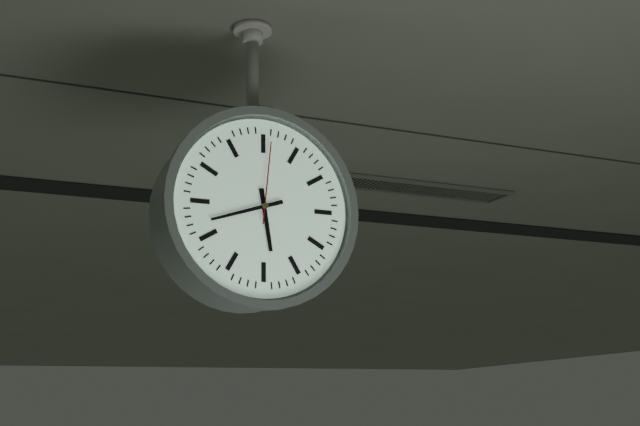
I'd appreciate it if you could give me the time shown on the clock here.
5:42:01
